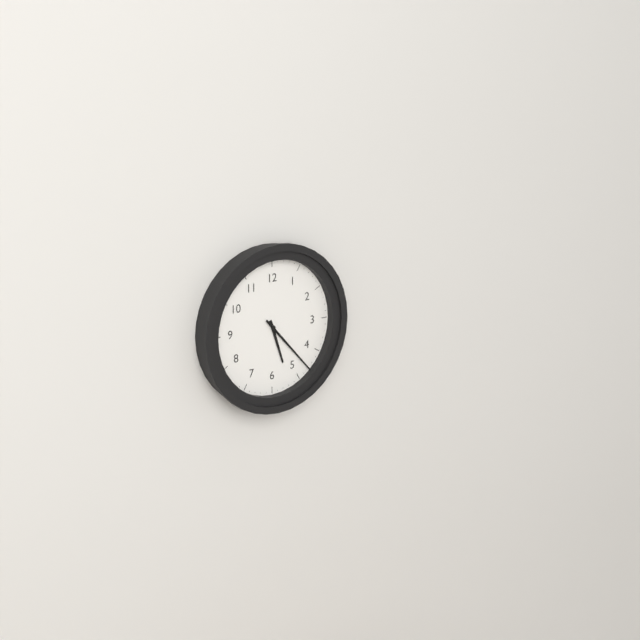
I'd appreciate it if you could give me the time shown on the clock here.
5:23
